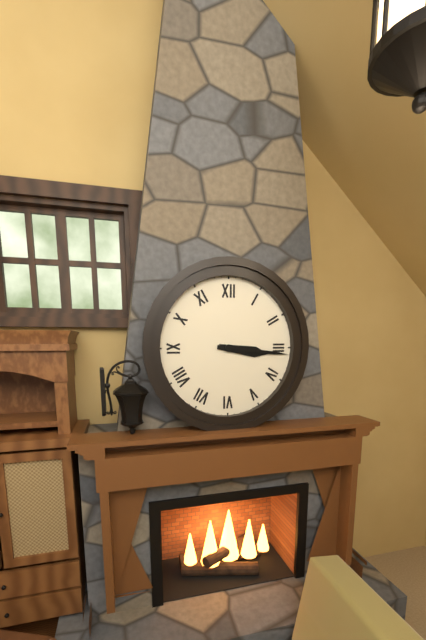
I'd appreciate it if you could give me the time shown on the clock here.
3:16
